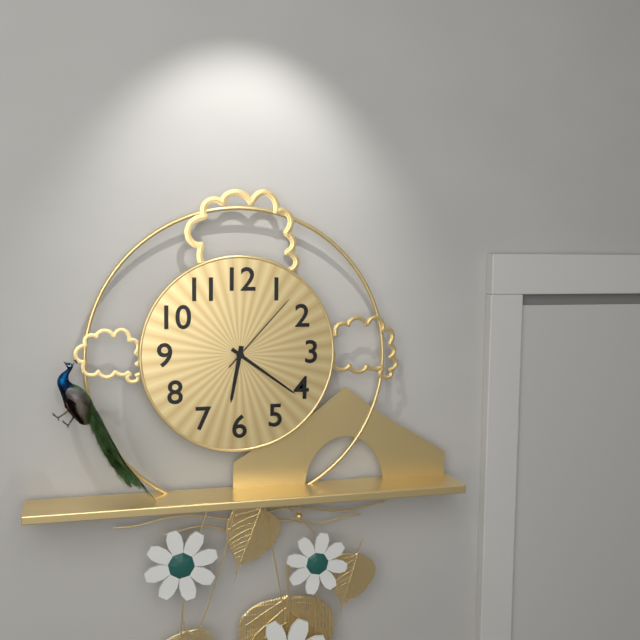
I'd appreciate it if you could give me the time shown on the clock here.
6:21:07
